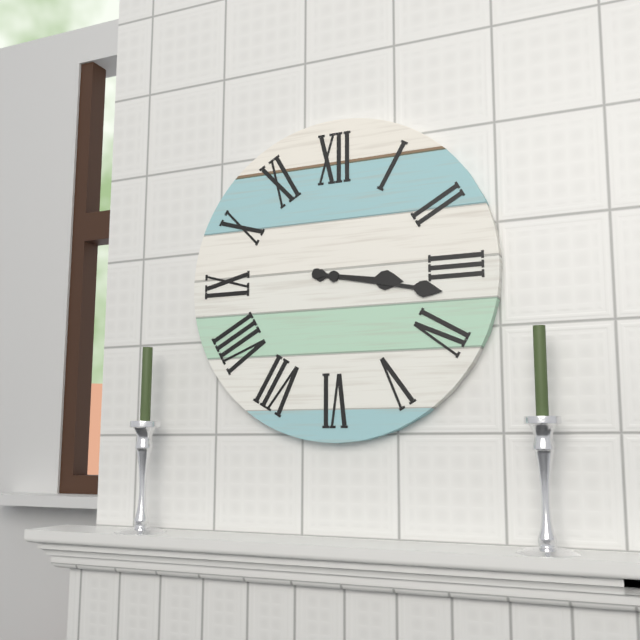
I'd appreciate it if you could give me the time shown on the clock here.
3:17
